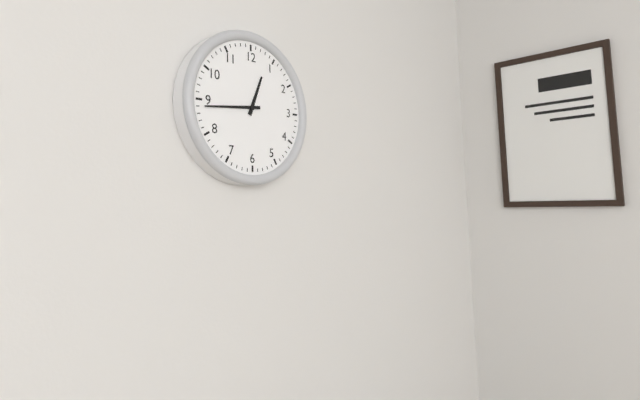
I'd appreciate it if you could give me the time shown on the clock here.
12:44
